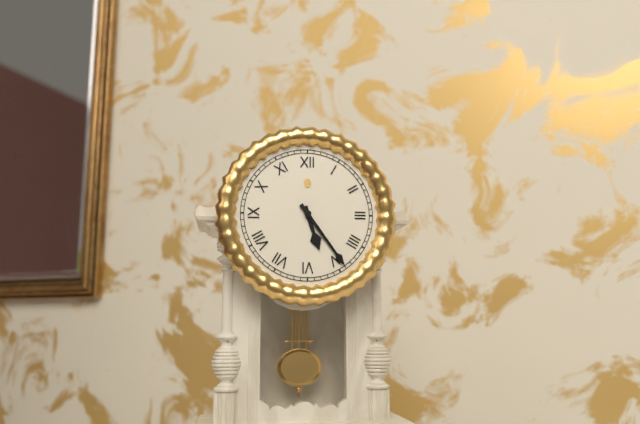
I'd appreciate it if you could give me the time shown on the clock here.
5:24
